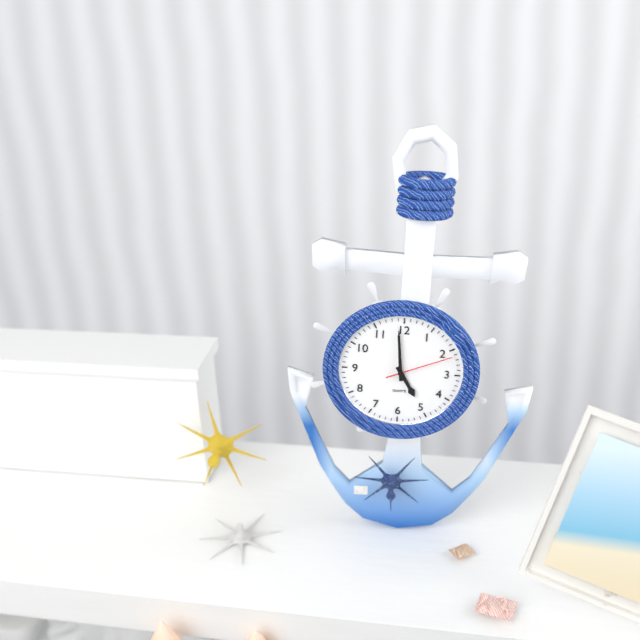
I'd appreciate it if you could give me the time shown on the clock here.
4:59:11
